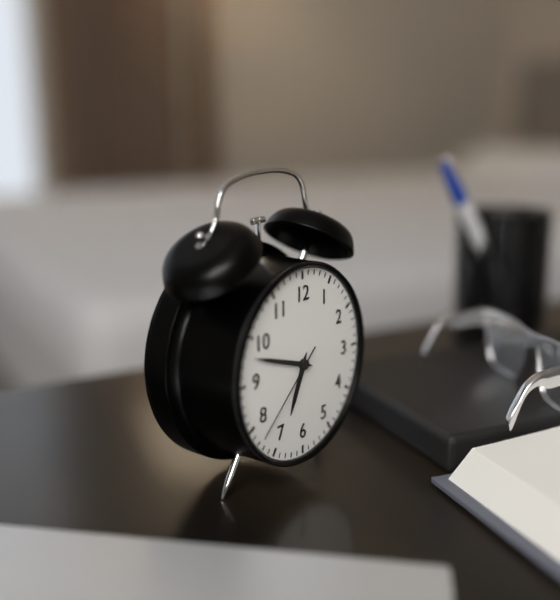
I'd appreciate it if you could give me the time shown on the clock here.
6:48:38
